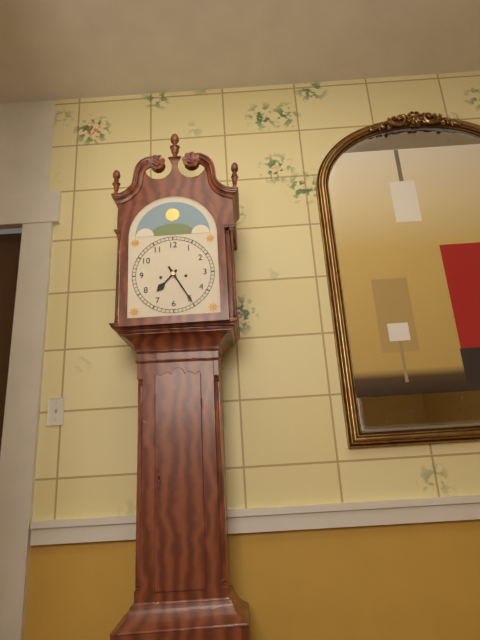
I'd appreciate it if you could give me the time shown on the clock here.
7:25
